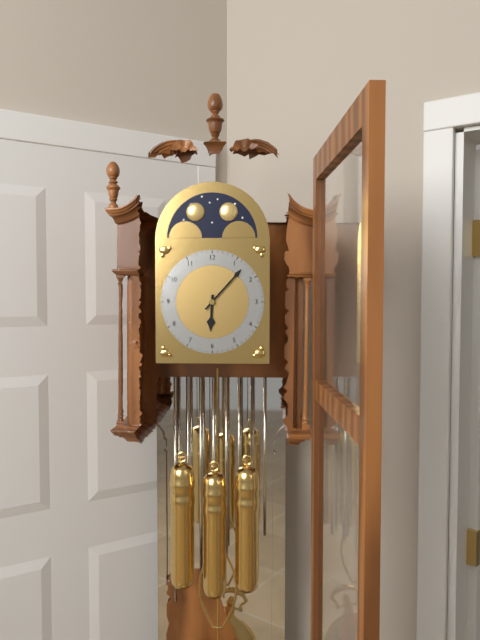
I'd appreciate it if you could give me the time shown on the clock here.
6:07
